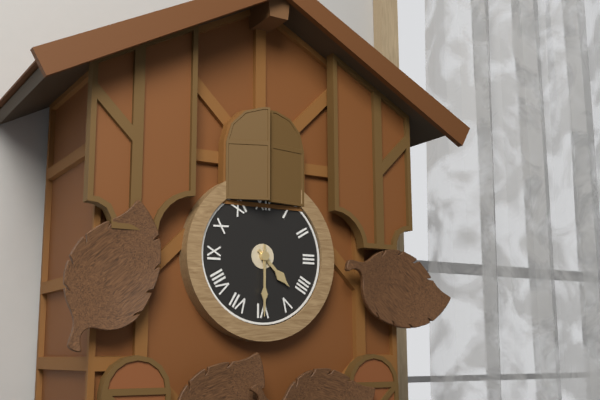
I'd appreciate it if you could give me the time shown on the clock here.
4:30
